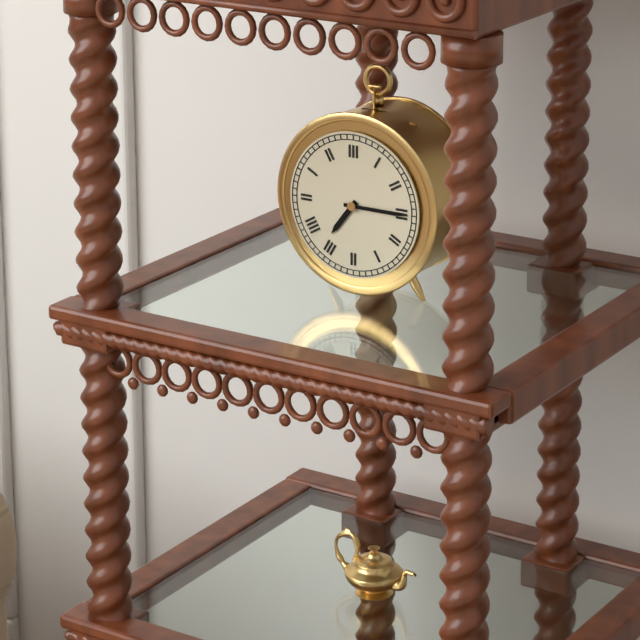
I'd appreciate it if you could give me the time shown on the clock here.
7:15
